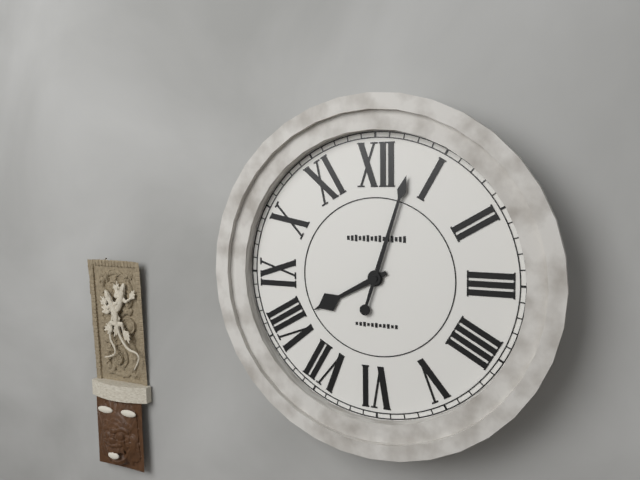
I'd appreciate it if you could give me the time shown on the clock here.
8:03
